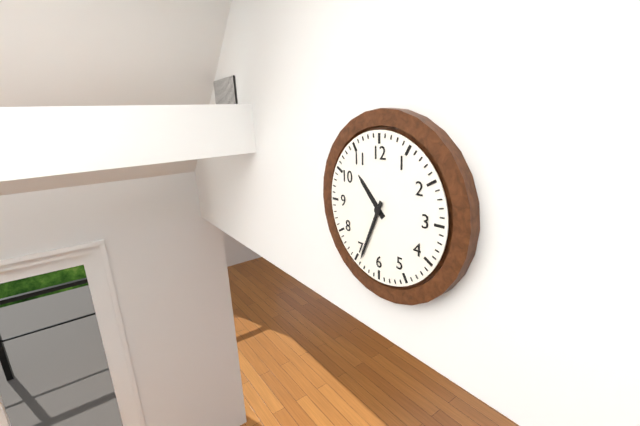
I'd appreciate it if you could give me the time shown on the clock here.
10:34
